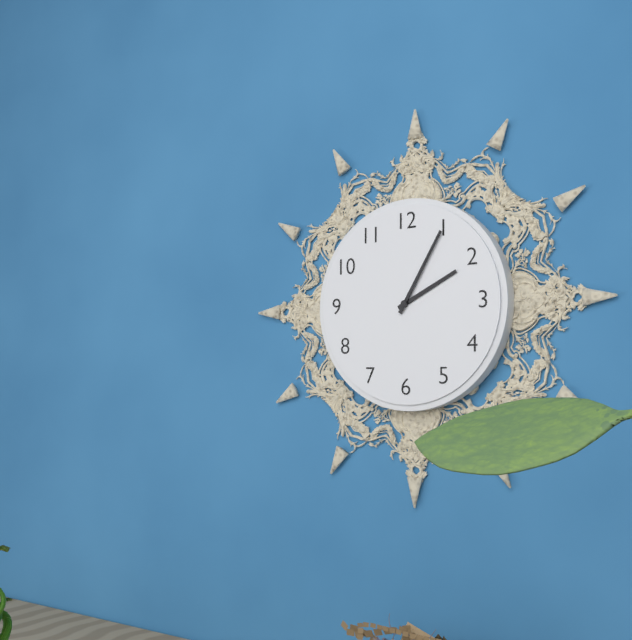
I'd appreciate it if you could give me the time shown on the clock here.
2:05
